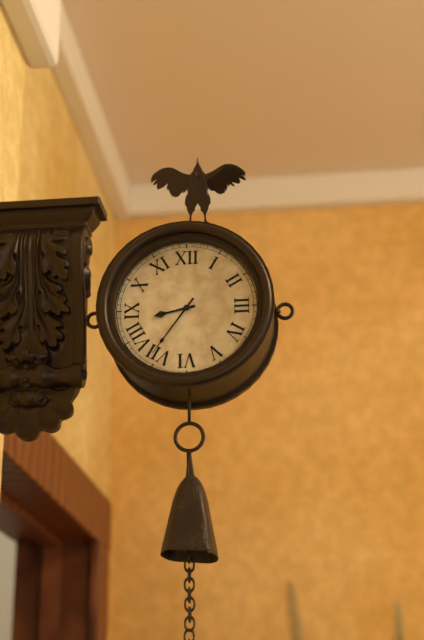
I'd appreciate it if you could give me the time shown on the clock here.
8:36
